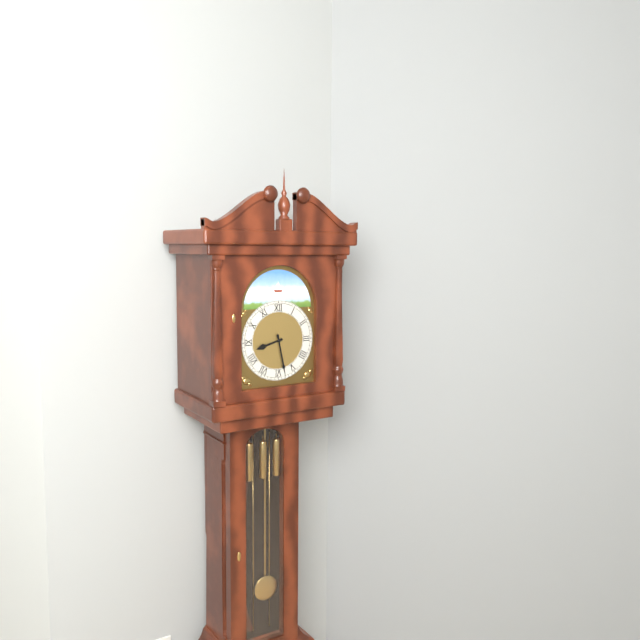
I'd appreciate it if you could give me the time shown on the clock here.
8:28
